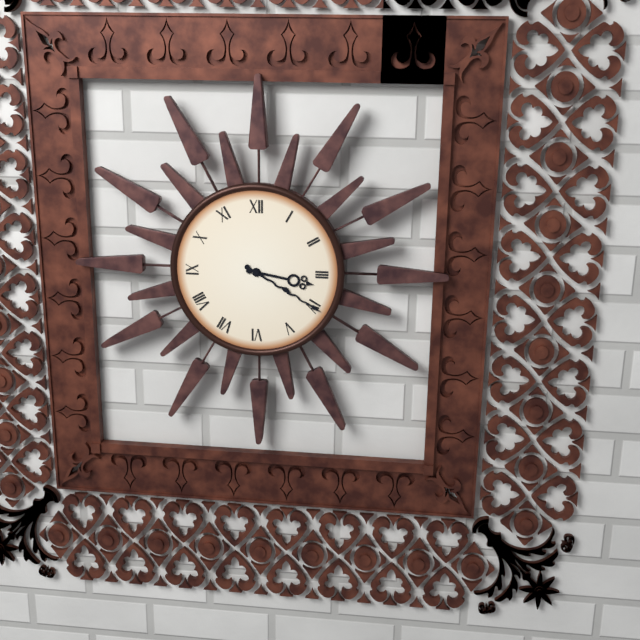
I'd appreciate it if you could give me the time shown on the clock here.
3:20
